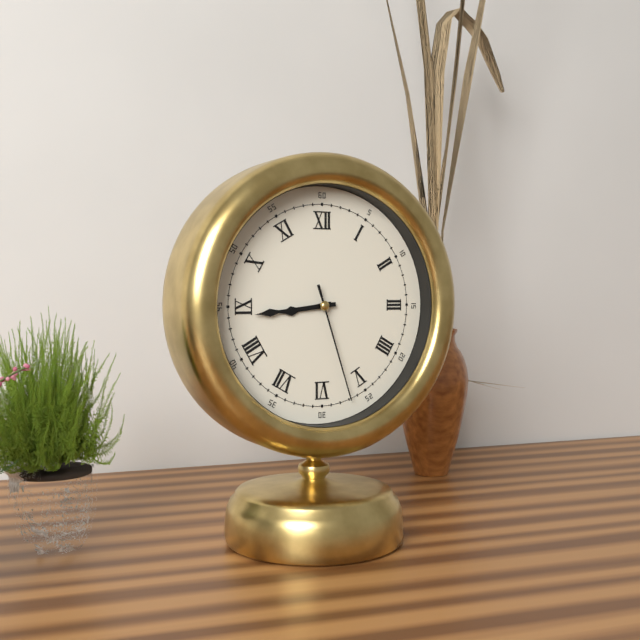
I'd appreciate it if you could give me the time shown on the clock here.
8:44:27
